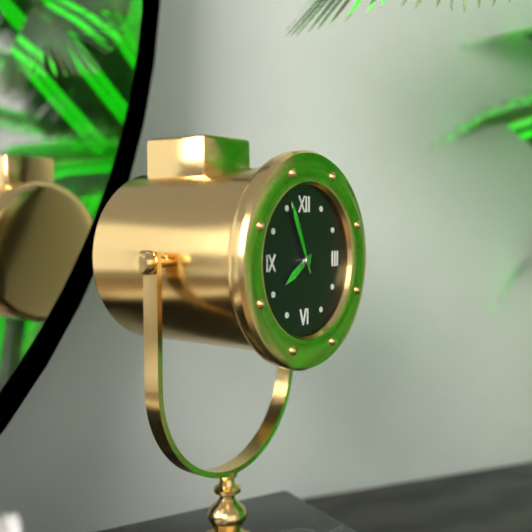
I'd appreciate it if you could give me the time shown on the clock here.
7:56
